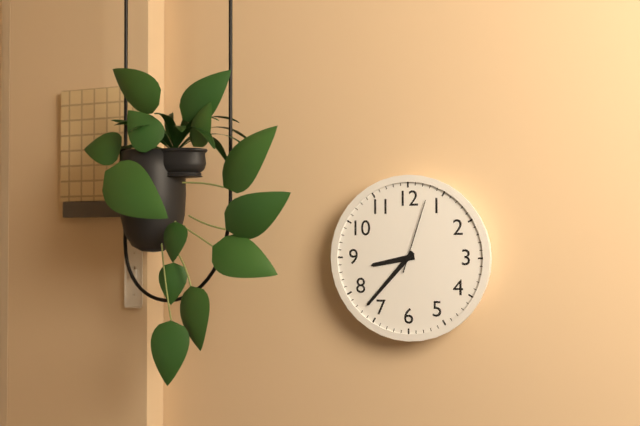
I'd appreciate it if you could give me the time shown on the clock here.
8:37:03
